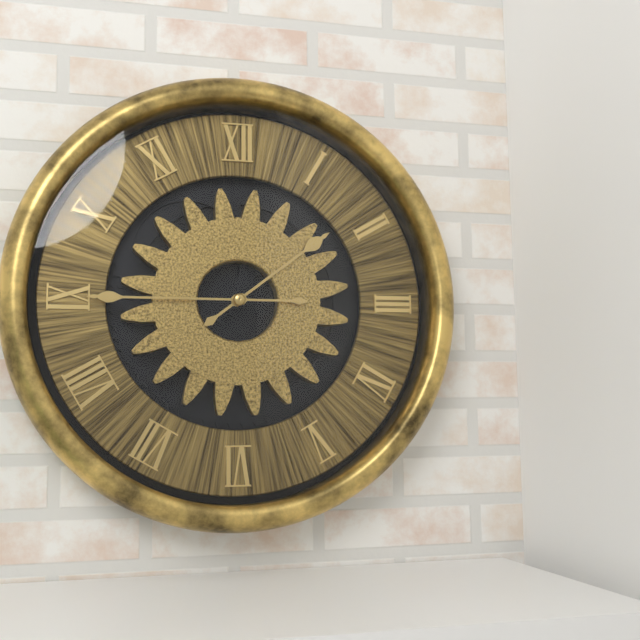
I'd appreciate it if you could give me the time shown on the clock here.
1:45
